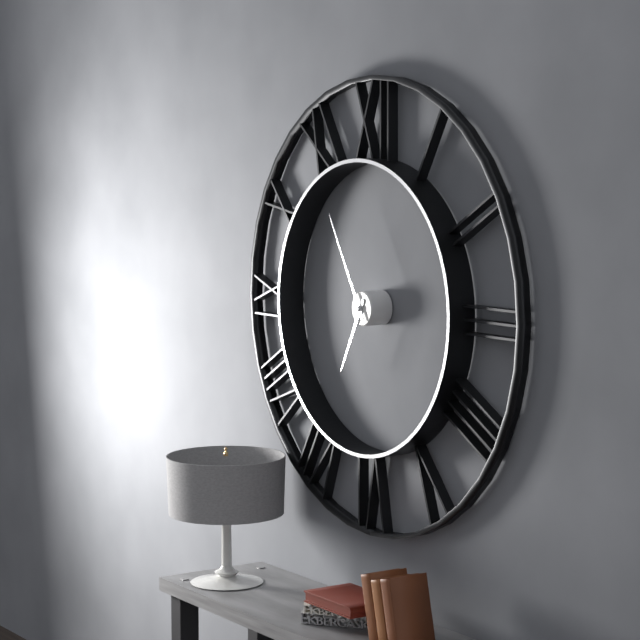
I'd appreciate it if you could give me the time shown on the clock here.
6:55
